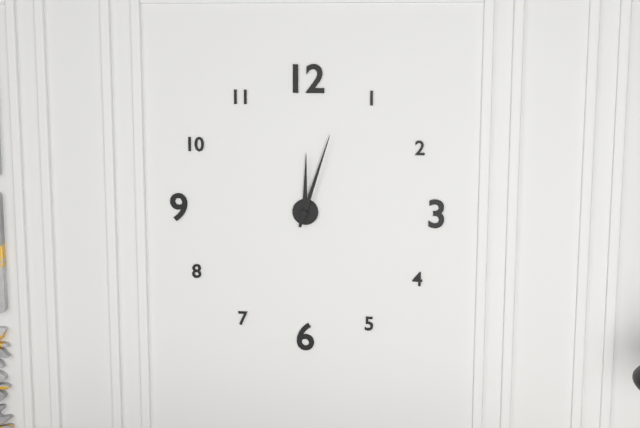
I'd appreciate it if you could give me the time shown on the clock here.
12:03
